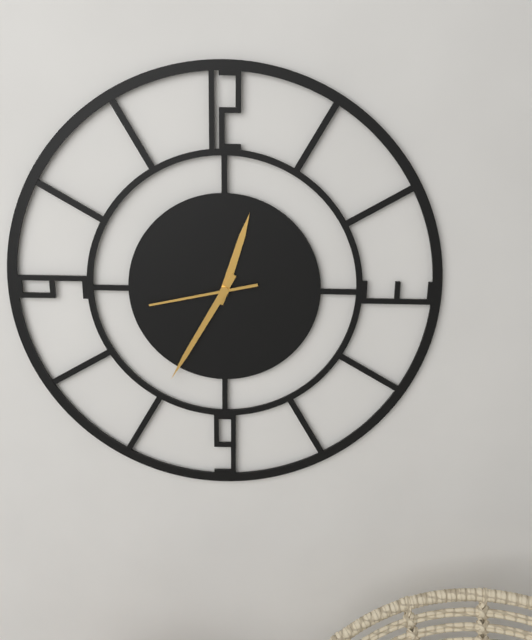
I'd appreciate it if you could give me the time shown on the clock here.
12:35:43
